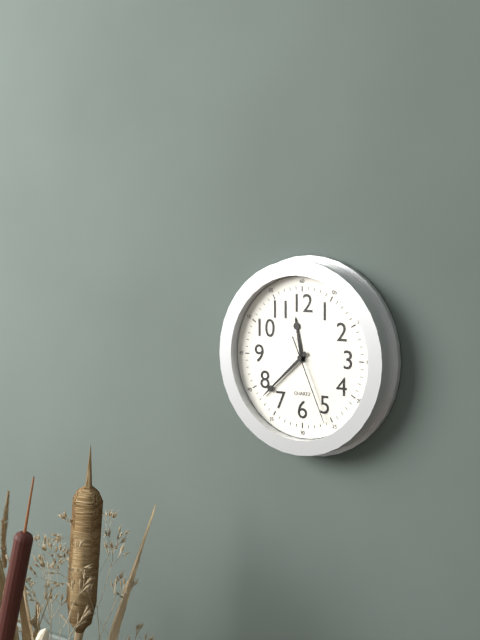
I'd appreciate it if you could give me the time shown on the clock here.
11:38:26
